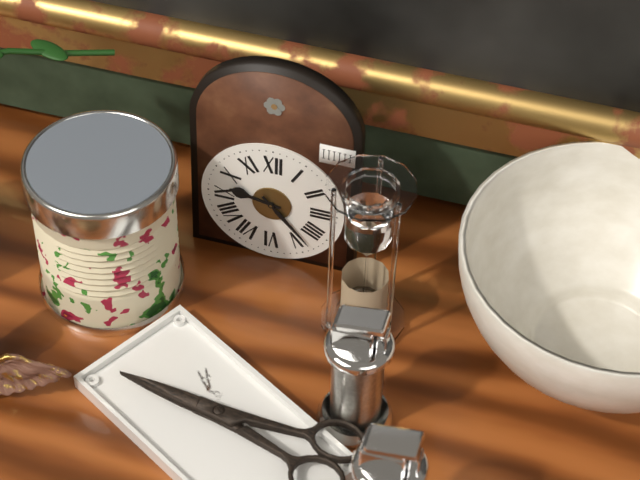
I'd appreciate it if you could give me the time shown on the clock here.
9:23
